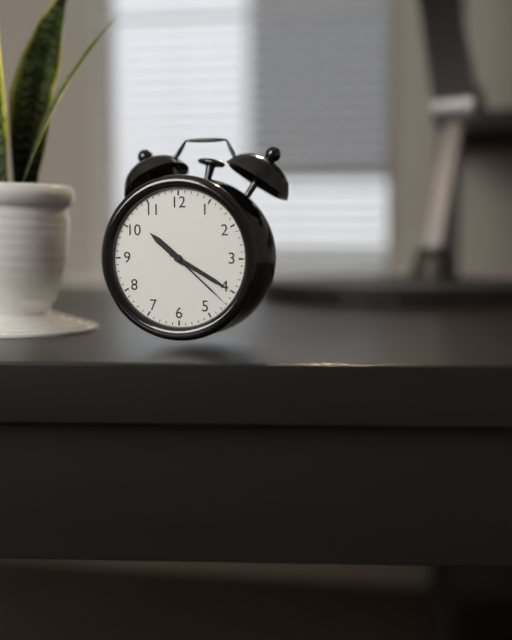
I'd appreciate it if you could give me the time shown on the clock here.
10:20:22
